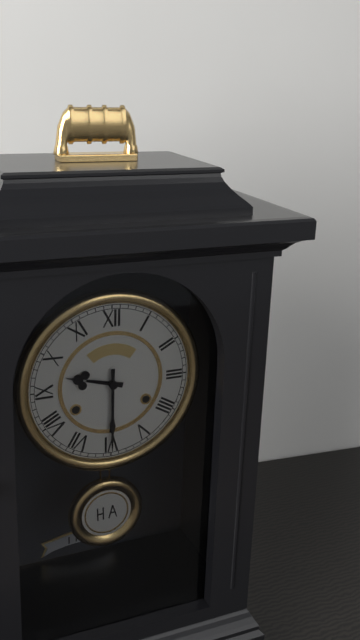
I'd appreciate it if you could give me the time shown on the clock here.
9:30
